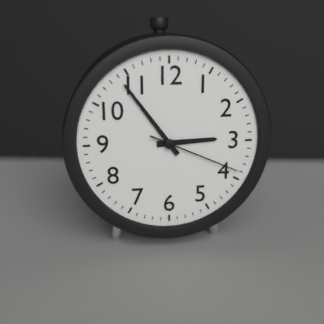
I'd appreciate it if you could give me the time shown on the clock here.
2:54:19
